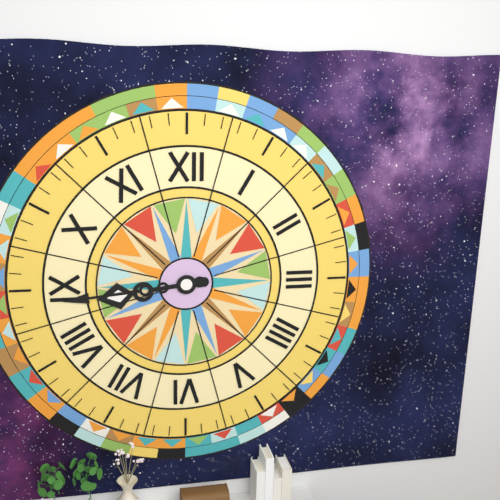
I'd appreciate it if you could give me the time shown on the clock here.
8:44
